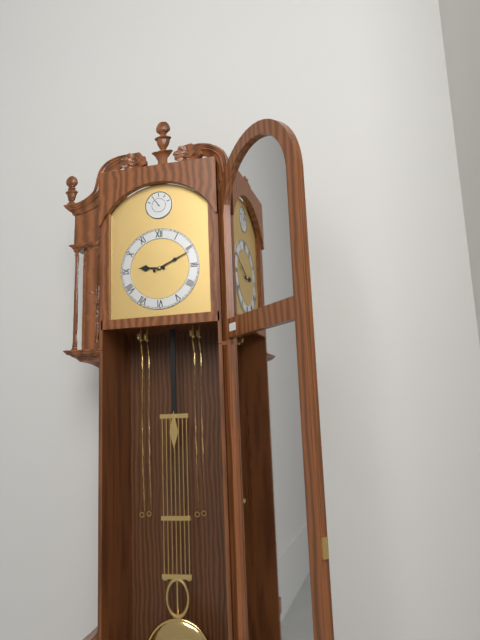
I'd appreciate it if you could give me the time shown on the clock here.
9:11
